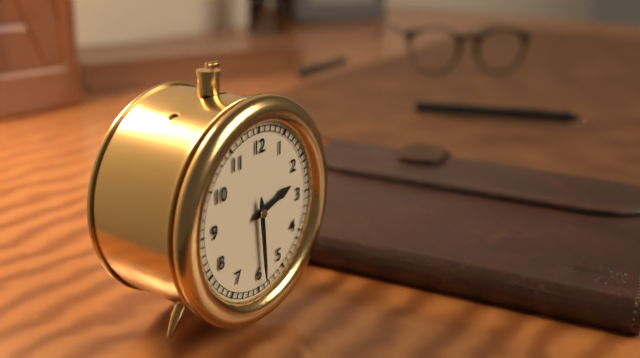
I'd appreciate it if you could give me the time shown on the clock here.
2:29
